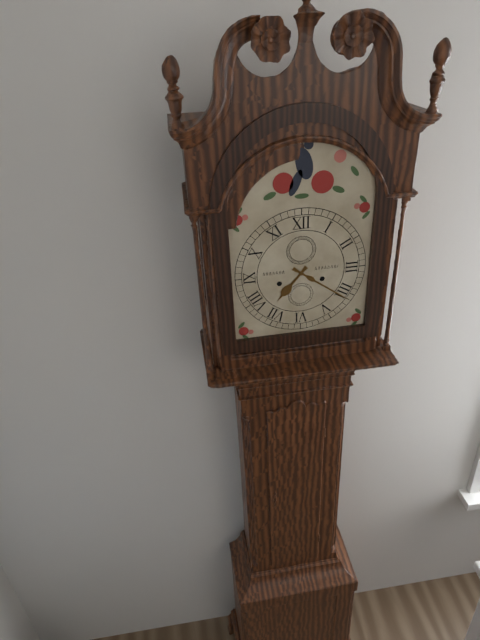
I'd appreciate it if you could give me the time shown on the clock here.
7:21
